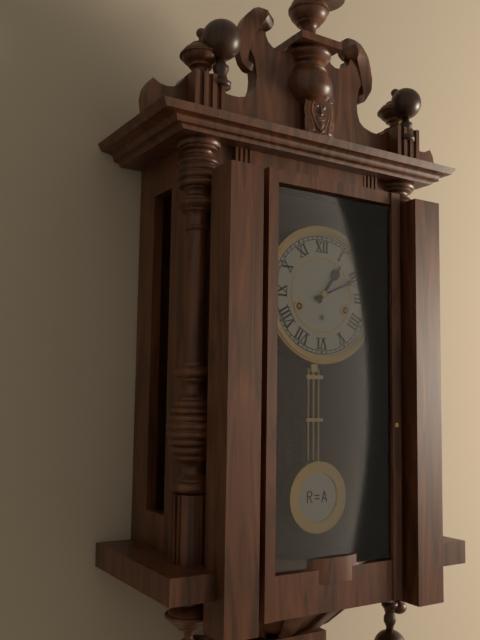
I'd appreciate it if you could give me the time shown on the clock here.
1:11
